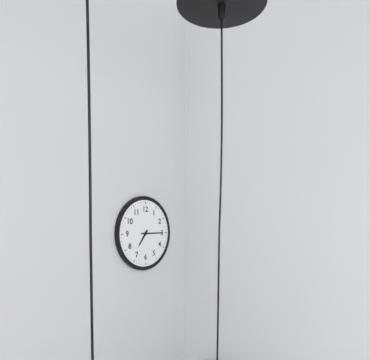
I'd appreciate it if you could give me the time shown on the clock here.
7:15
